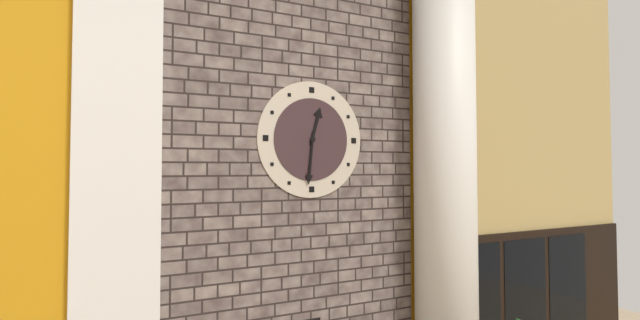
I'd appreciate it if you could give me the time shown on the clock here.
12:31
